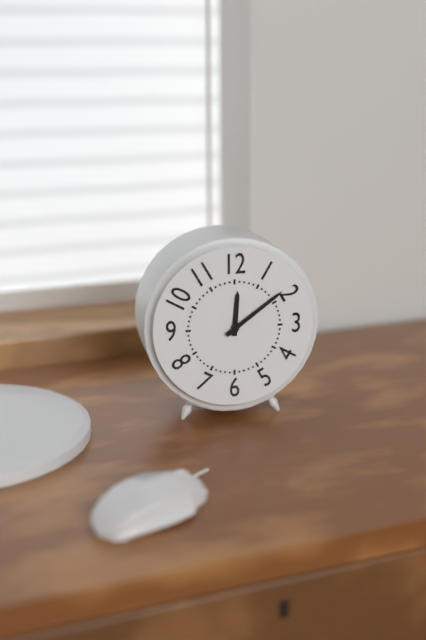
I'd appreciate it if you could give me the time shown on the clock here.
12:09
